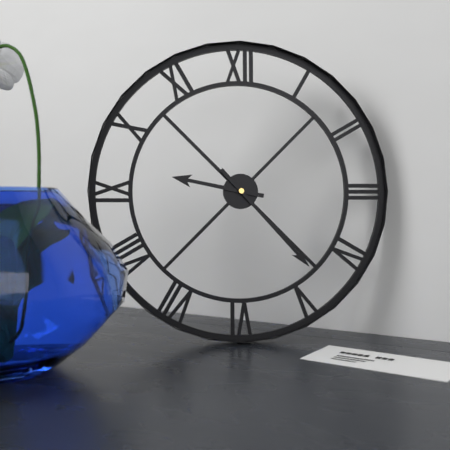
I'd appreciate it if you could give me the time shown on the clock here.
9:23
